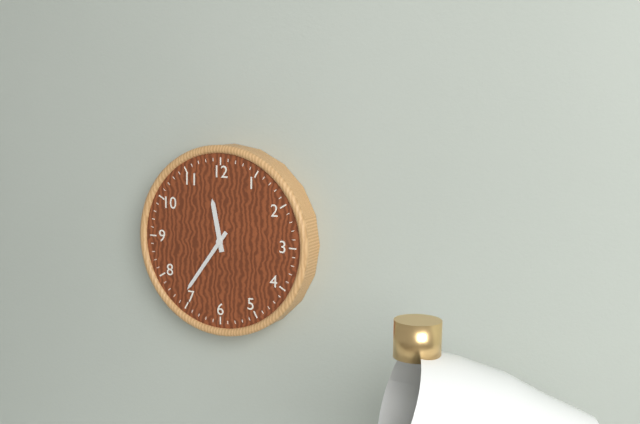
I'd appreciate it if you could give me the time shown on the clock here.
11:36
